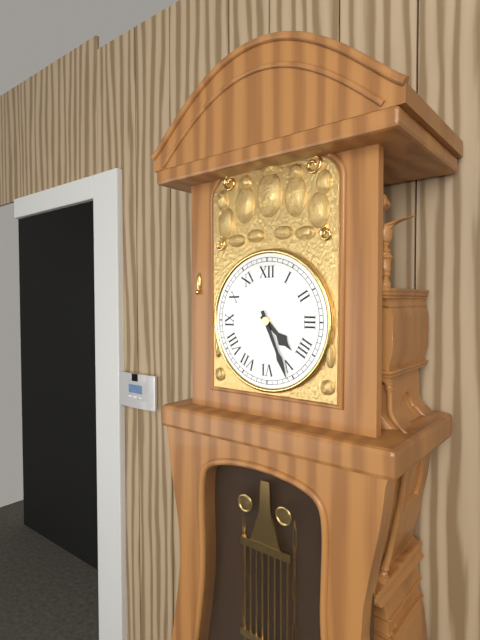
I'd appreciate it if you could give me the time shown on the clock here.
4:26
